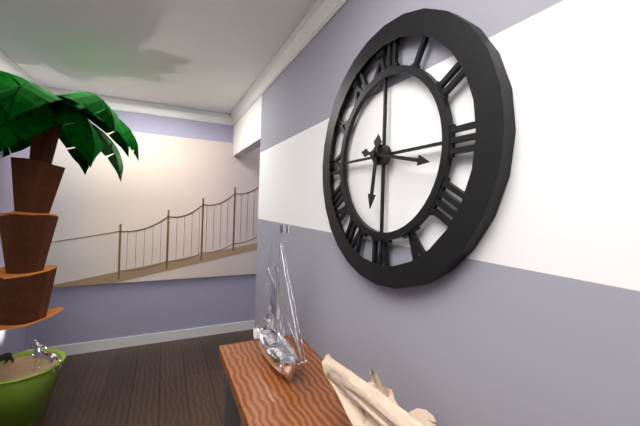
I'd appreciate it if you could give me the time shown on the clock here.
6:17
